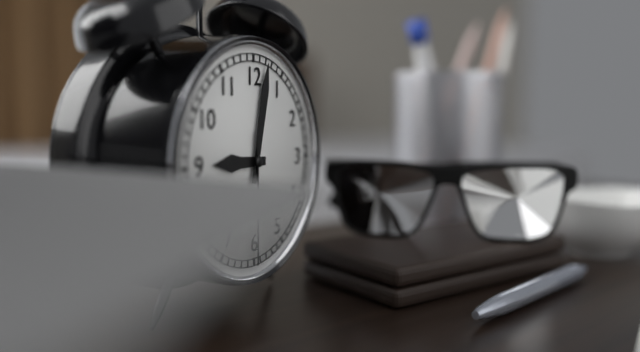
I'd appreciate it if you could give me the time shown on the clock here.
9:02:30
